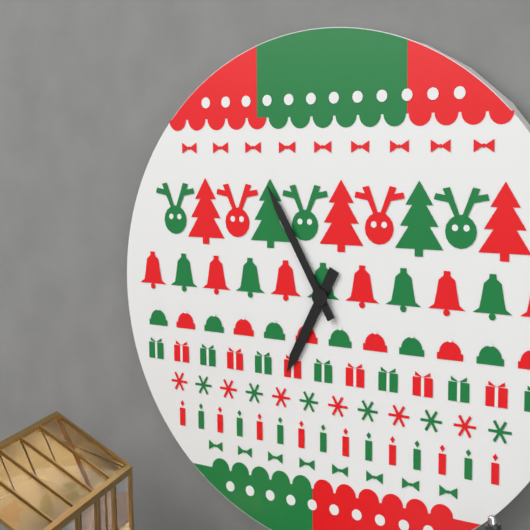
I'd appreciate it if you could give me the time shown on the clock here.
6:55
